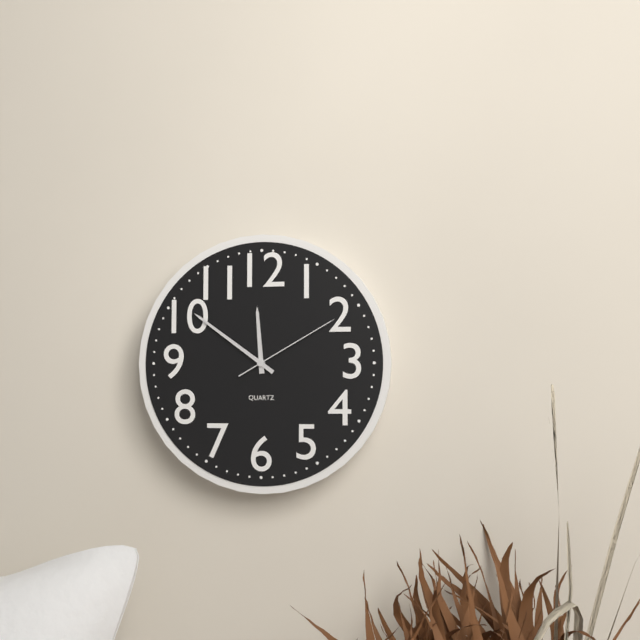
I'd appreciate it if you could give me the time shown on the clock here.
11:51:10
